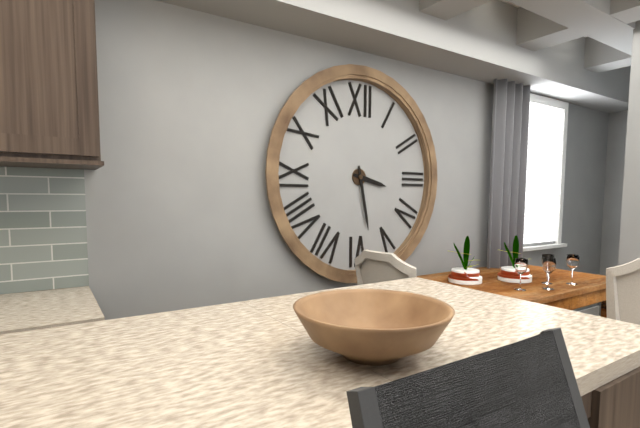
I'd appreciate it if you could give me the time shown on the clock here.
3:28
